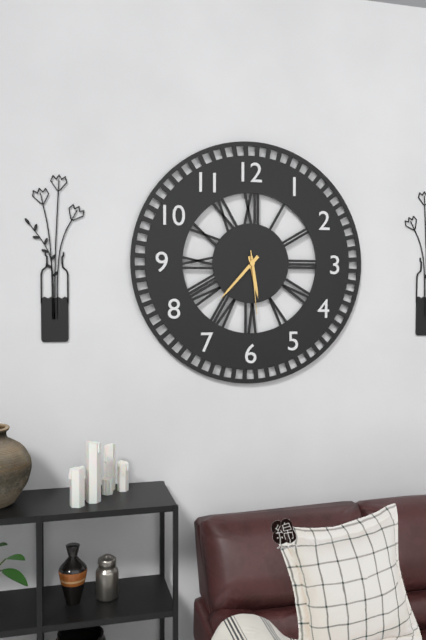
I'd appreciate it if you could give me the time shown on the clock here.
5:37:29
